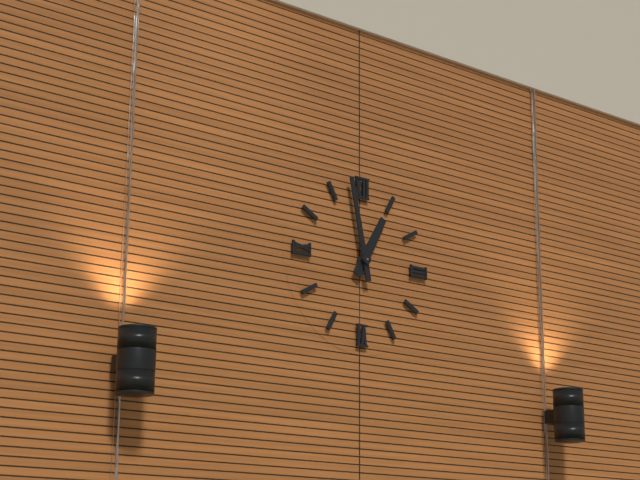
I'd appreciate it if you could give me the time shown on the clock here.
12:58
